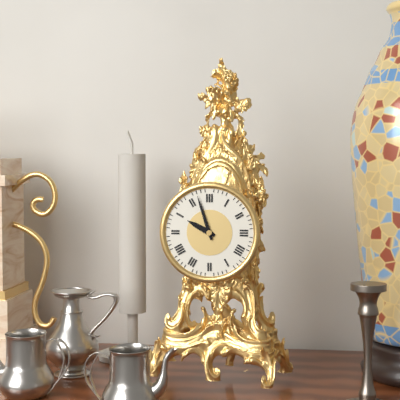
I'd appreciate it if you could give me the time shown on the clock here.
9:57
